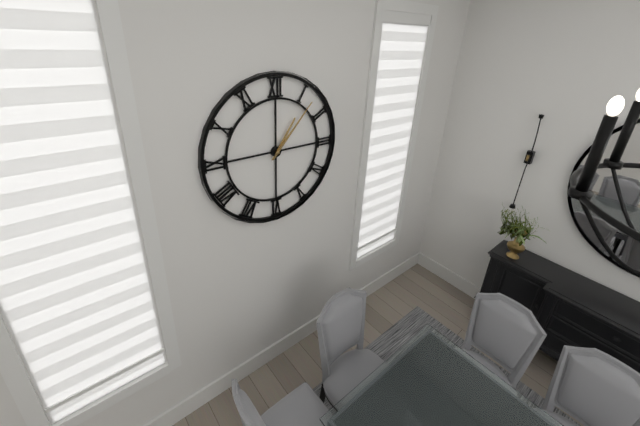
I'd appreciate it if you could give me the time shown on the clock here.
1:07
